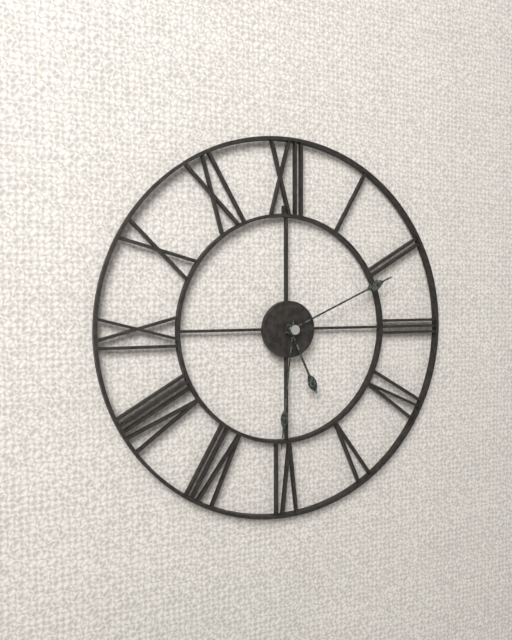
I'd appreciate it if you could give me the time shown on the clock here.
5:11:31
